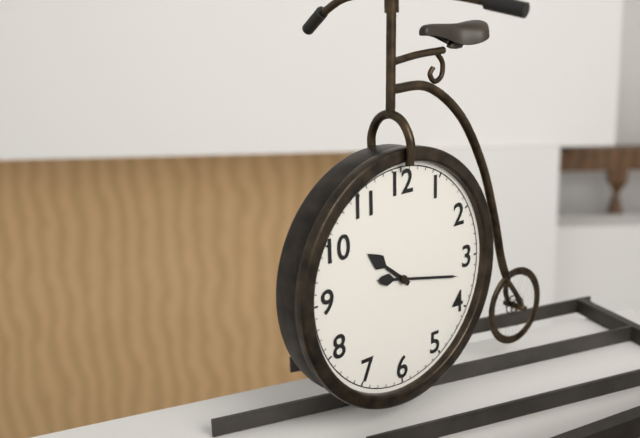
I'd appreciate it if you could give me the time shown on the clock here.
10:17
